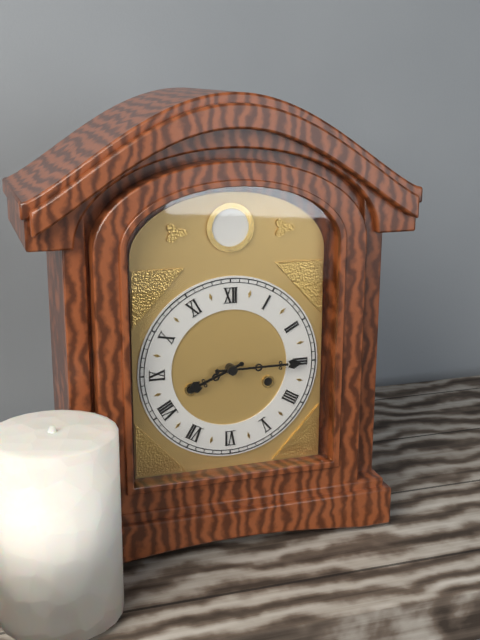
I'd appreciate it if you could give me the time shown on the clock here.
8:15
